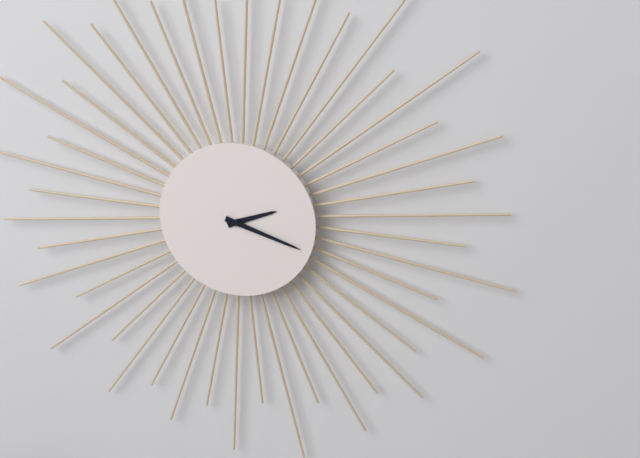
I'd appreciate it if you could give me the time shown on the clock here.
2:18
